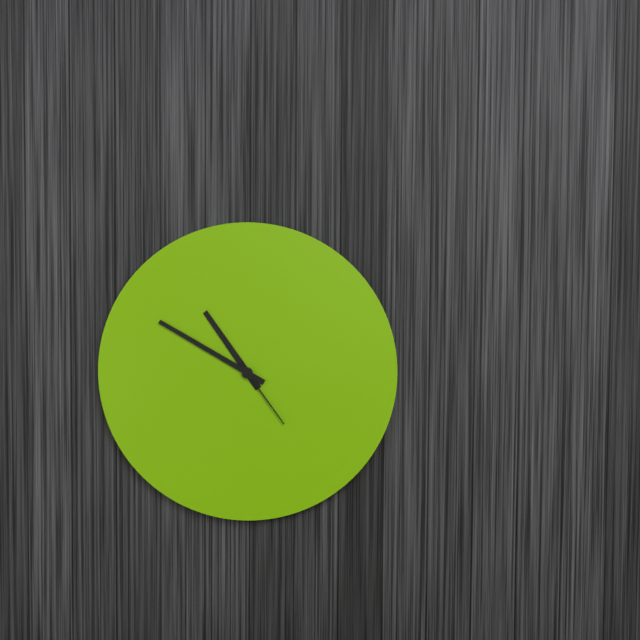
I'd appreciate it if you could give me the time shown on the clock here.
10:50:24
